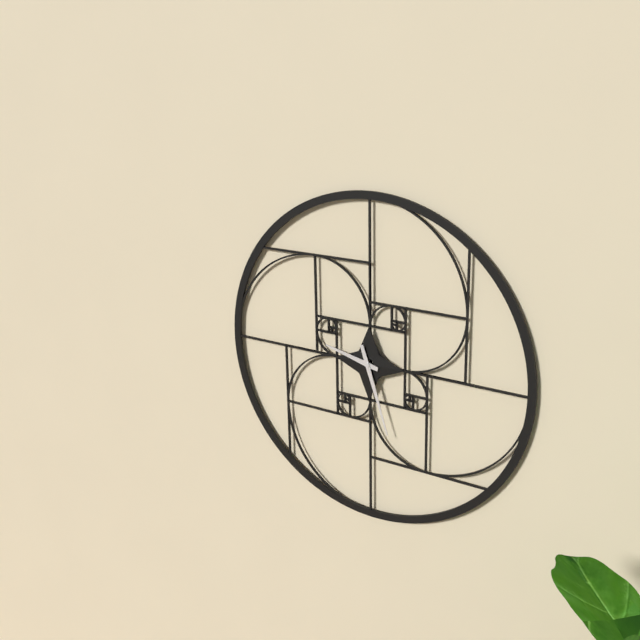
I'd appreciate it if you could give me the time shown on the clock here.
9:27
